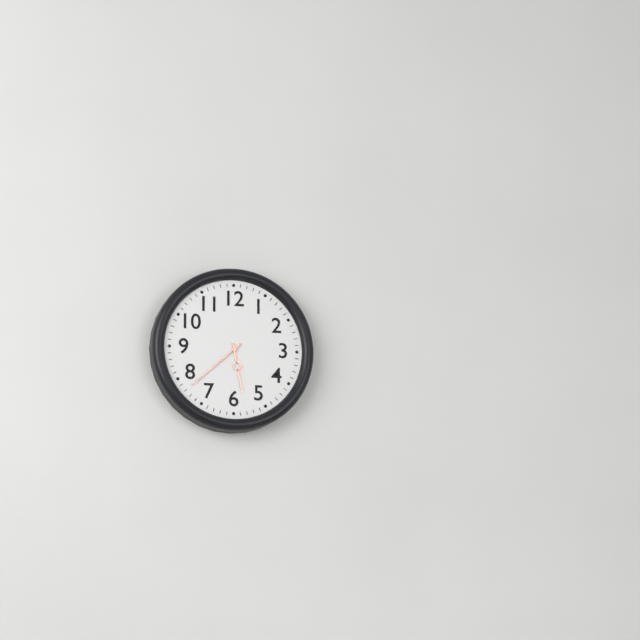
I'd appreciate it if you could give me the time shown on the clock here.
5:38
